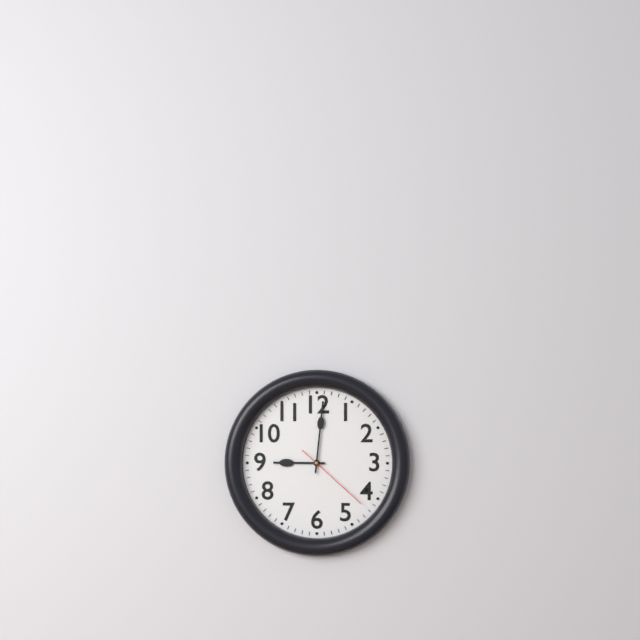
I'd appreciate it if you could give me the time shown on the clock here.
9:01:22
